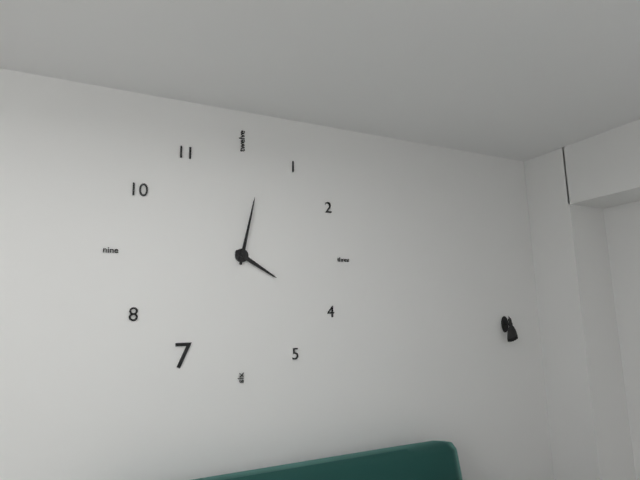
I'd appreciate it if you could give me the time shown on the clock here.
4:02
